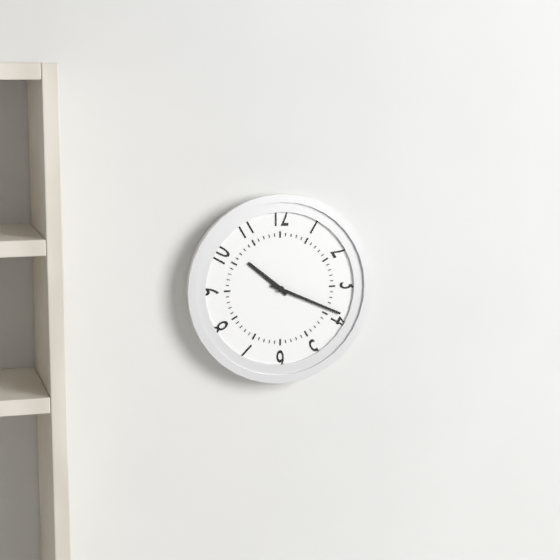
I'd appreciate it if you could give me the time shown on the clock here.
10:19
